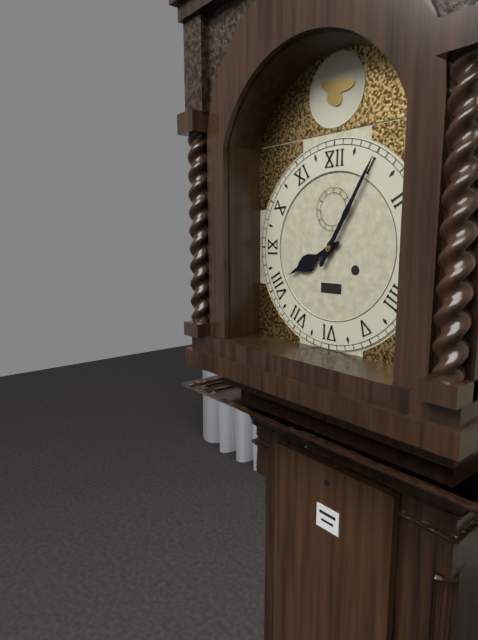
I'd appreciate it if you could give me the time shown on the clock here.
8:05
